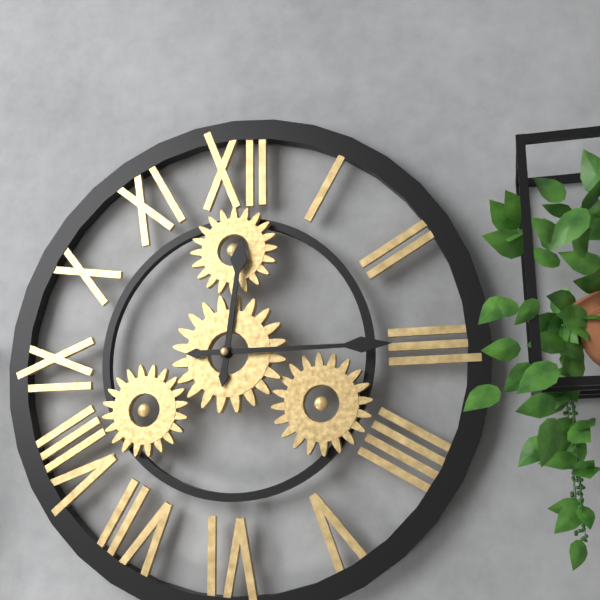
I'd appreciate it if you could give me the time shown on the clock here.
12:15
